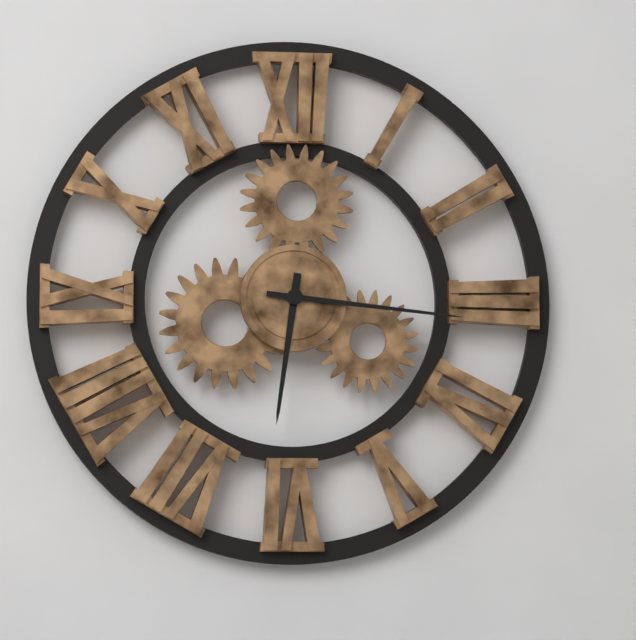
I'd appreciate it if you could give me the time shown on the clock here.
6:16
